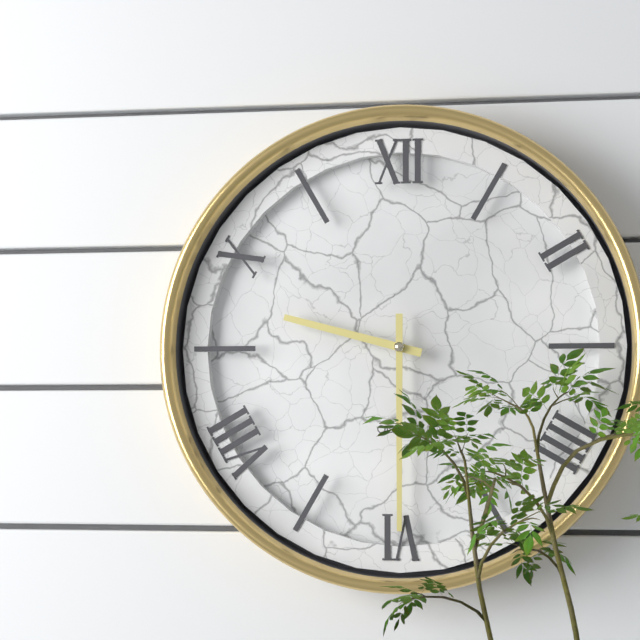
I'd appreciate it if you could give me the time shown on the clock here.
9:30
